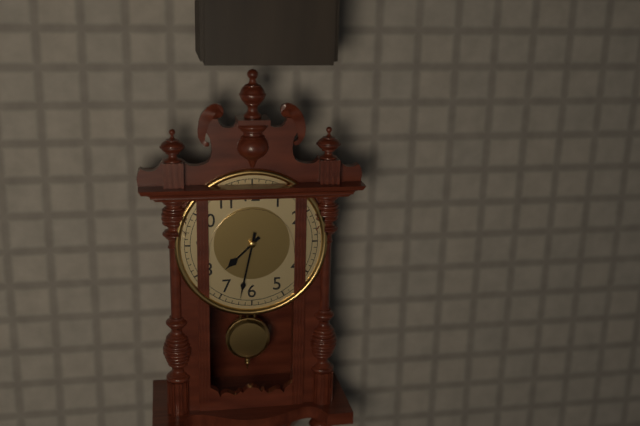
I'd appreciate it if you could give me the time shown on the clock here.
7:32
